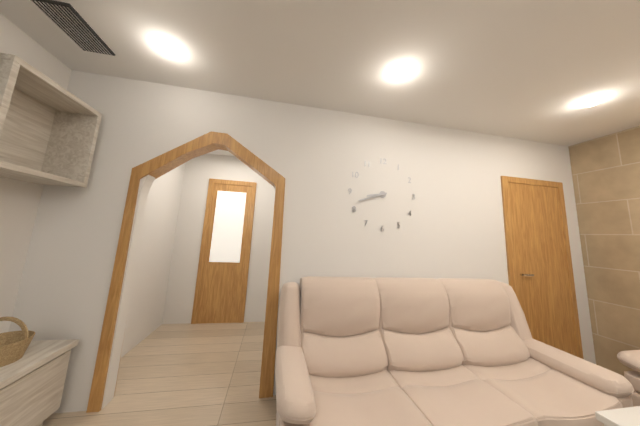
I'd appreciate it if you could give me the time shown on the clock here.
8:42
